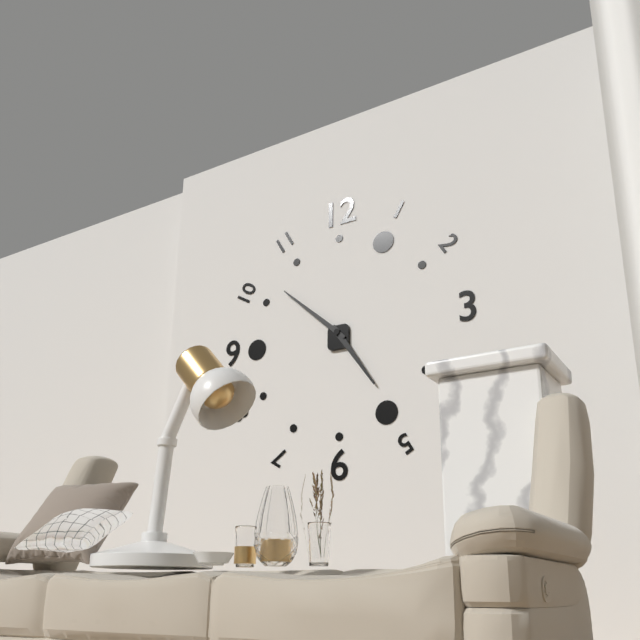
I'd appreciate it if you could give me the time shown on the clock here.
4:52
